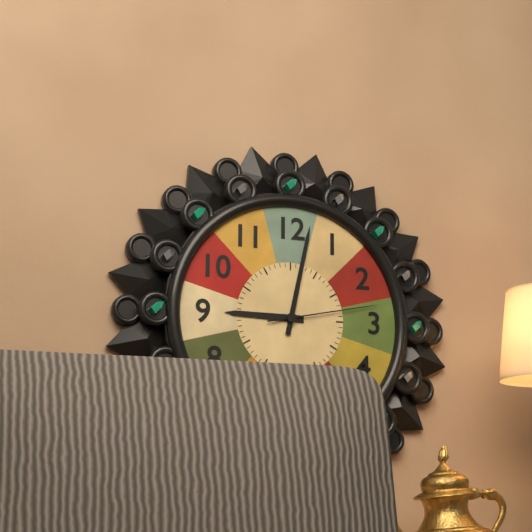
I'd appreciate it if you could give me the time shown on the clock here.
9:02:13
